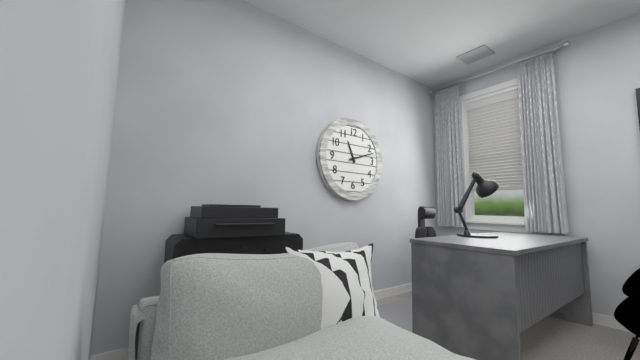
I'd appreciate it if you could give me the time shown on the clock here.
11:12
